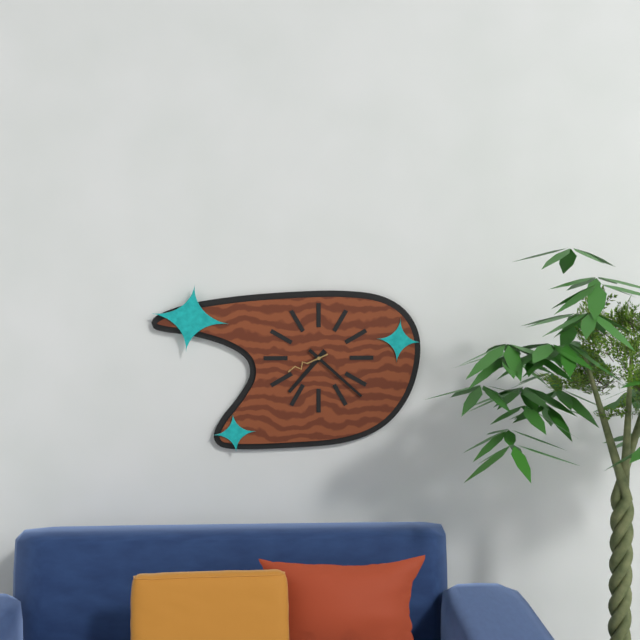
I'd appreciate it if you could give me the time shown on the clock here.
7:22
